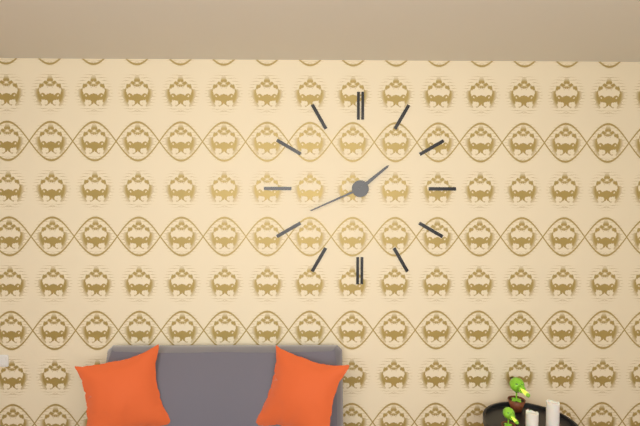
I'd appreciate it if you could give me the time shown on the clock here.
1:41
